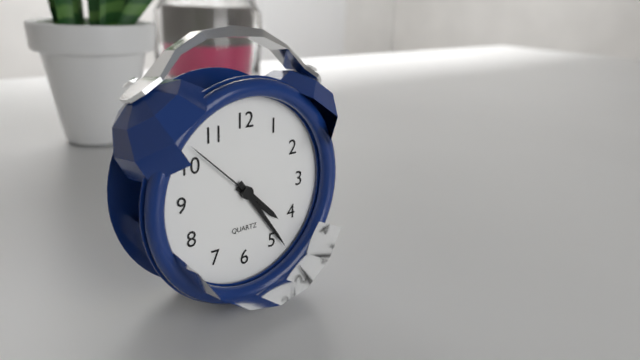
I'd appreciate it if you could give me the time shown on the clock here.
4:24:52
